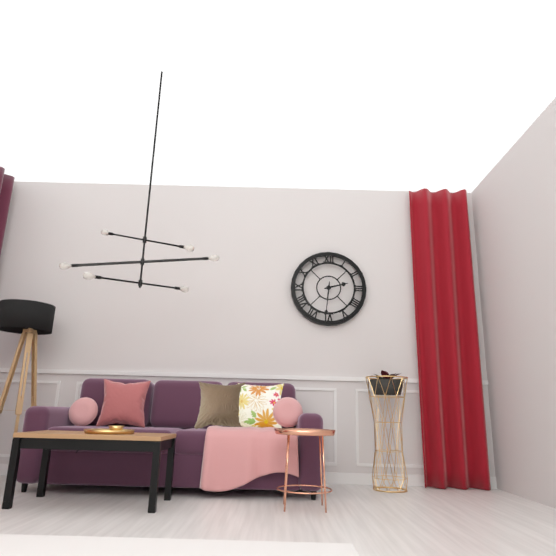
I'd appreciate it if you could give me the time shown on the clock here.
2:31
